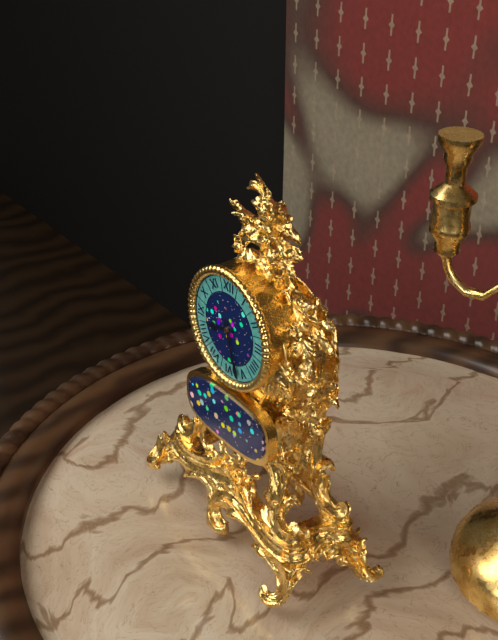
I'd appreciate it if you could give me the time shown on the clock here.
8:27
